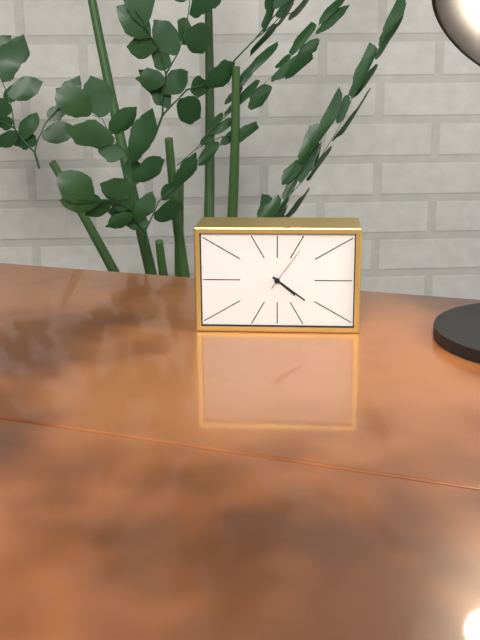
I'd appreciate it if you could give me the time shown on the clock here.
4:21
